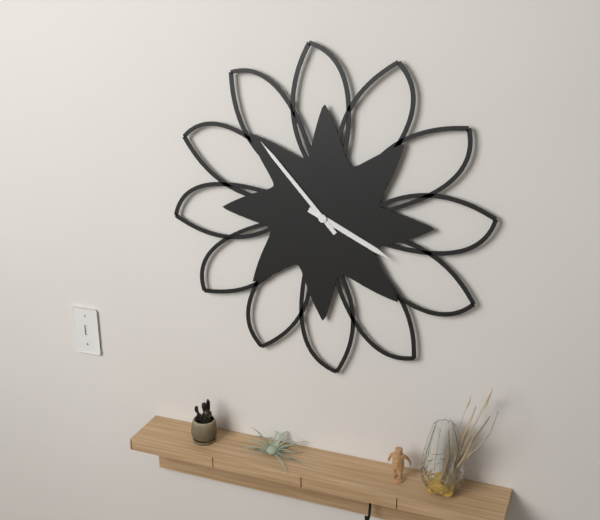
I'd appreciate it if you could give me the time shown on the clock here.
3:53
